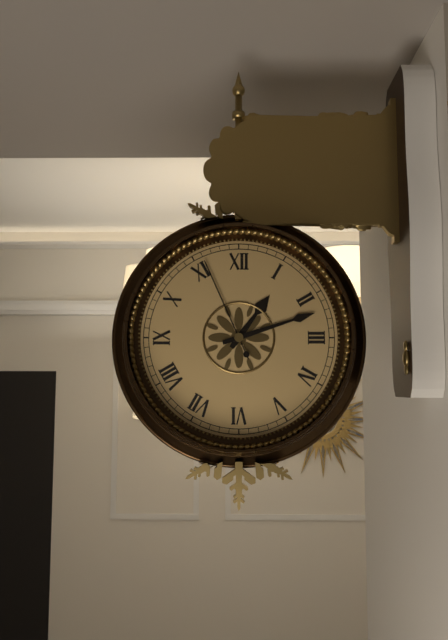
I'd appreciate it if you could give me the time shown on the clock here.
1:12:56
